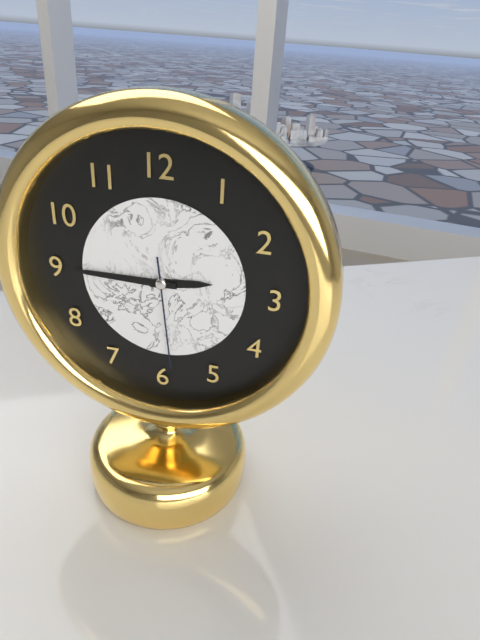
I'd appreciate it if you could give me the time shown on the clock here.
2:45:29
